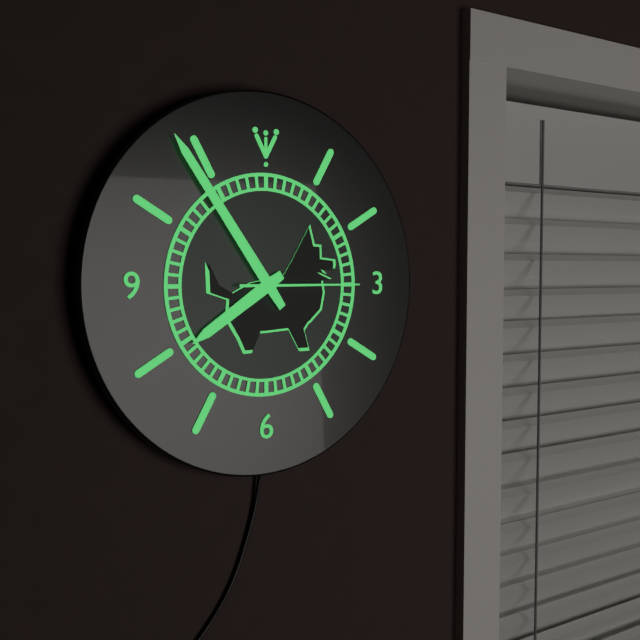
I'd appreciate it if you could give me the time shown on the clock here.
7:54:15
